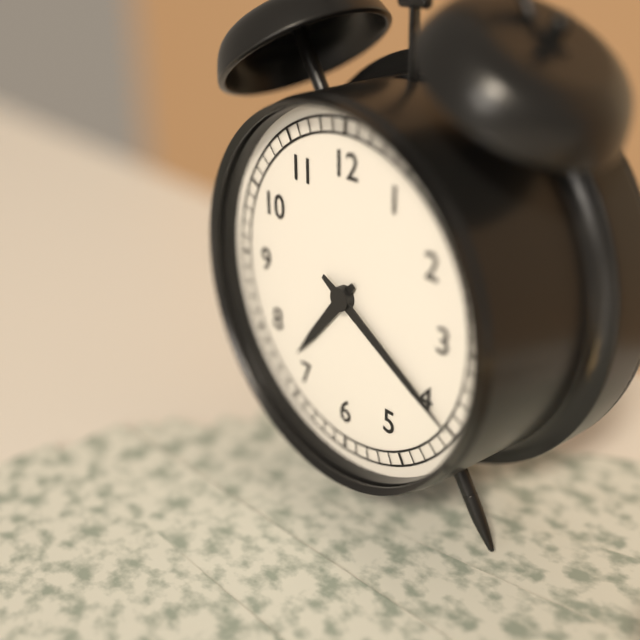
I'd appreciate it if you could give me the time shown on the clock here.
7:20
